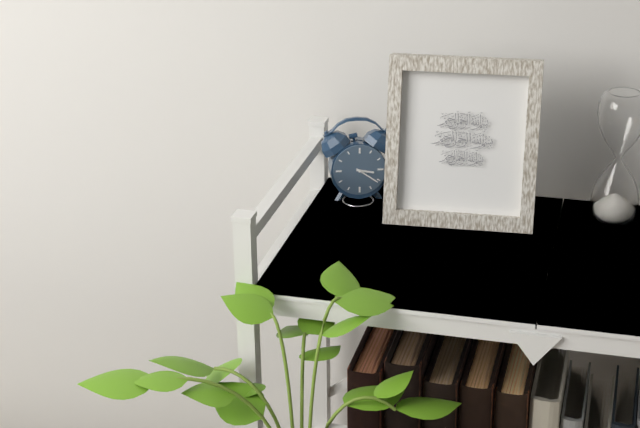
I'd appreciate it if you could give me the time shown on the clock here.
3:21
